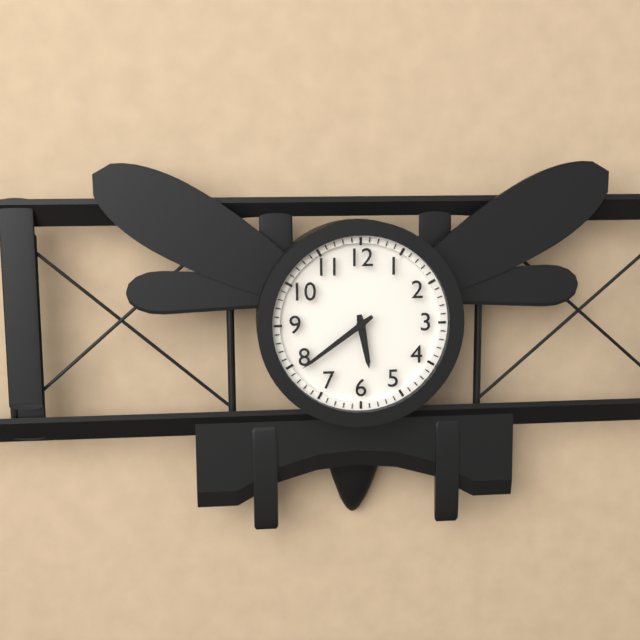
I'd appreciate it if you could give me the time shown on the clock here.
5:39
